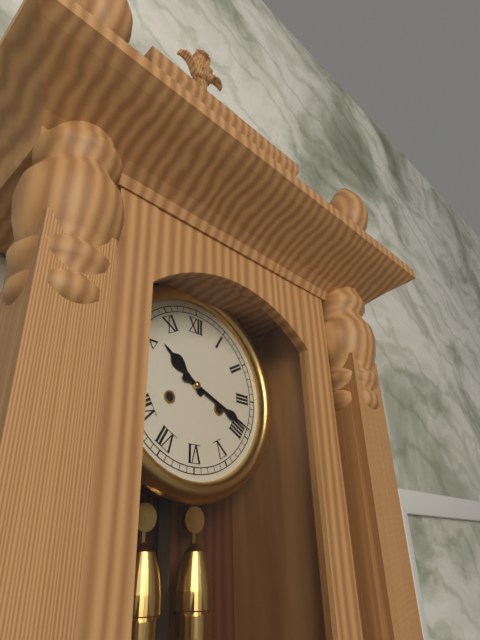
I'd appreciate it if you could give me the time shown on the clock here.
10:19
